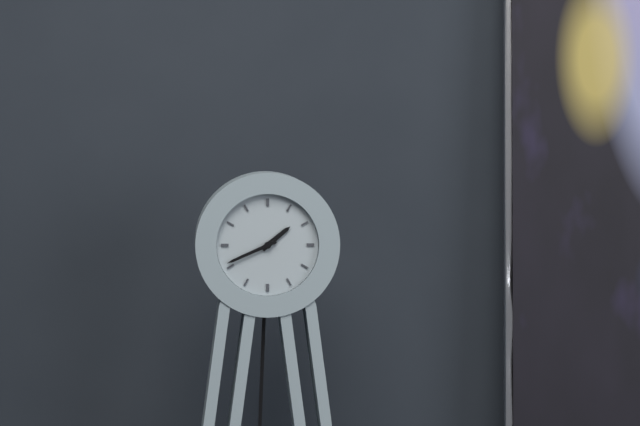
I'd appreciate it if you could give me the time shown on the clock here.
1:41
